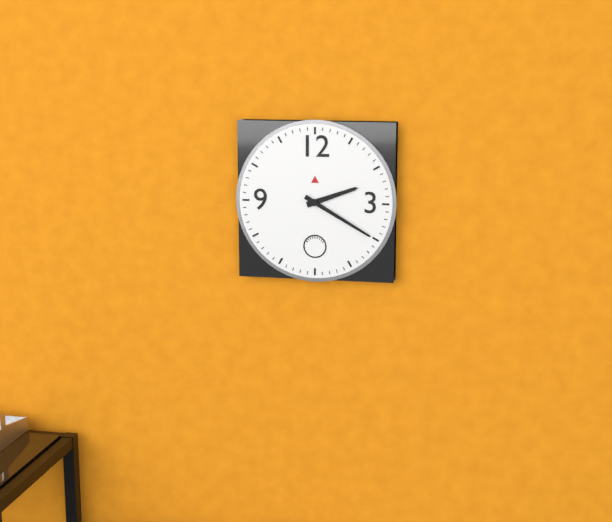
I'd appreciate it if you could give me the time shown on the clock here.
2:20
